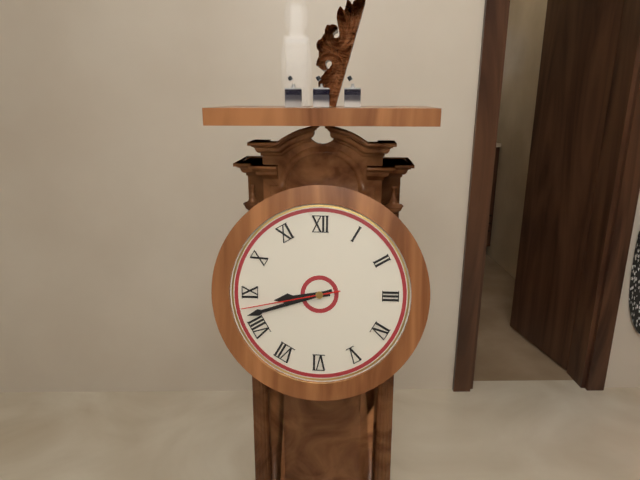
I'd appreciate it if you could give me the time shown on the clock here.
8:42:43
